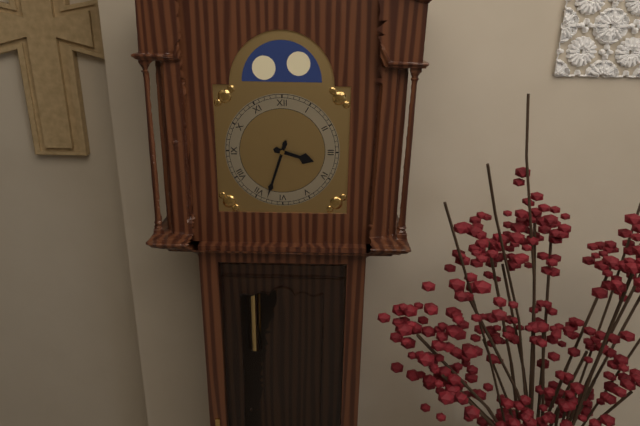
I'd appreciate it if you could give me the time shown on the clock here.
3:33
